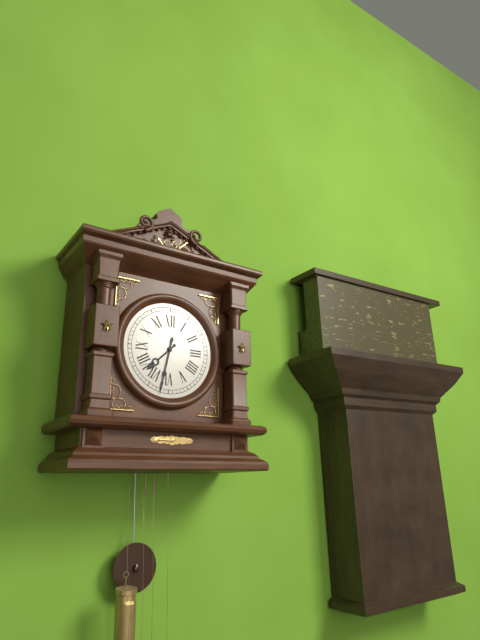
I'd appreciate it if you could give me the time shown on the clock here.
7:32
